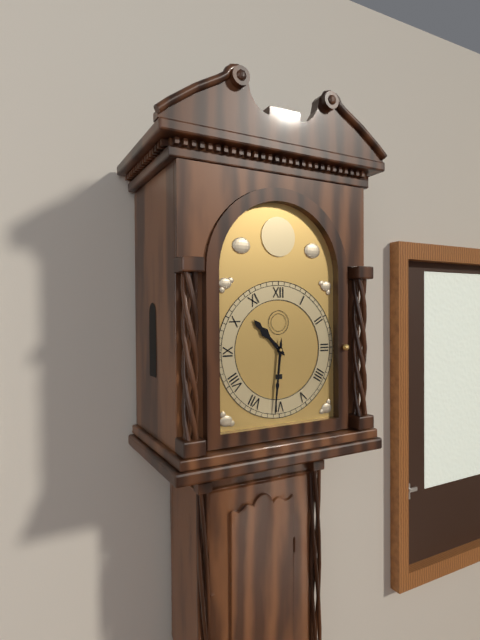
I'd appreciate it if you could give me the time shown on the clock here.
10:31
